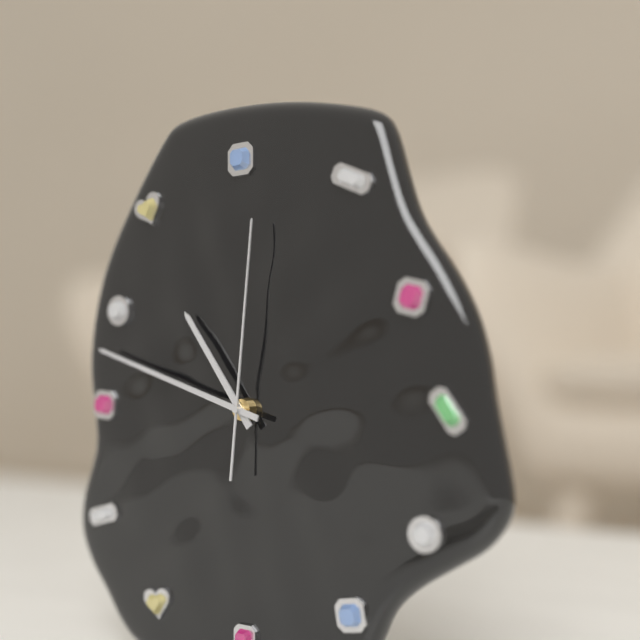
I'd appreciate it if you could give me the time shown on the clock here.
10:48:01
